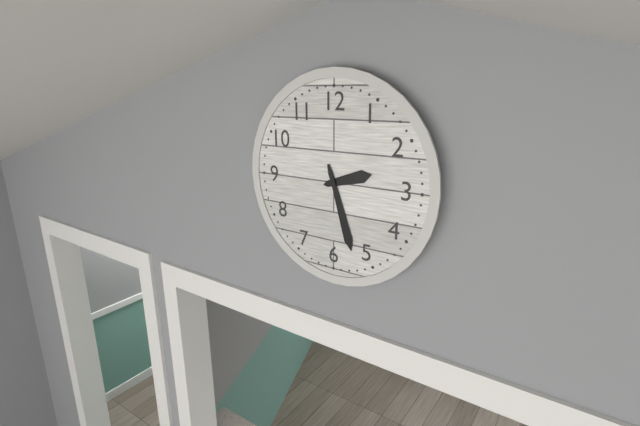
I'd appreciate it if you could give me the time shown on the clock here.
2:27
